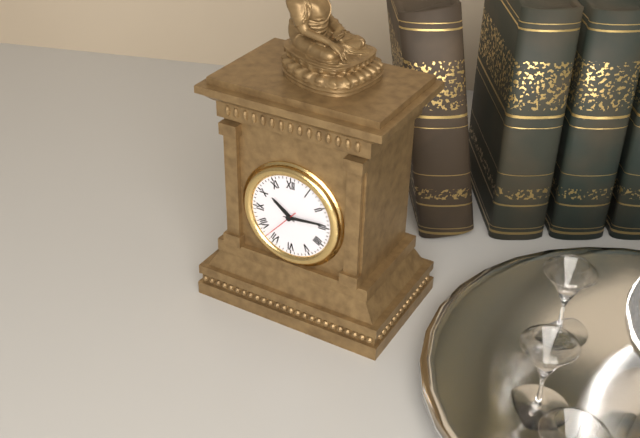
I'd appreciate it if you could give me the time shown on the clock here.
10:14
